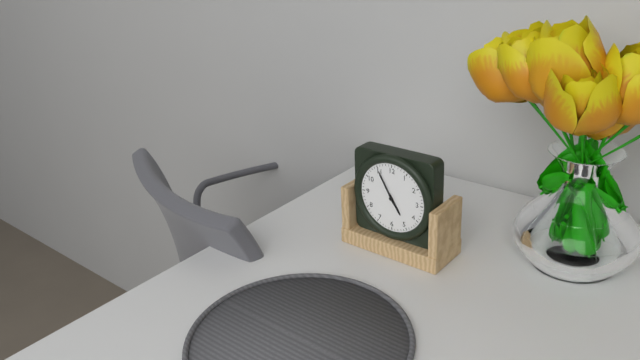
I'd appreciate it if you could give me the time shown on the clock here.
4:55
